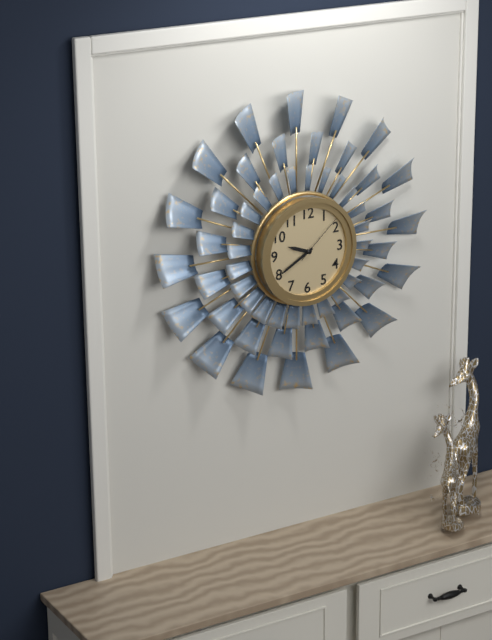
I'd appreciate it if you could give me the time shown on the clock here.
9:40:08
